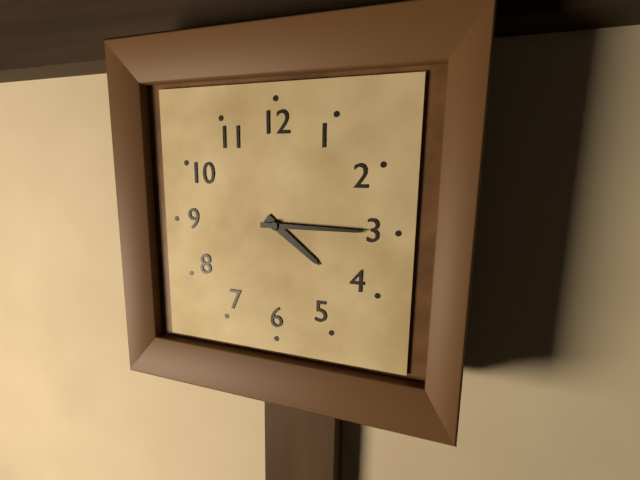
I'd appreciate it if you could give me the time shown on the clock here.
4:15
